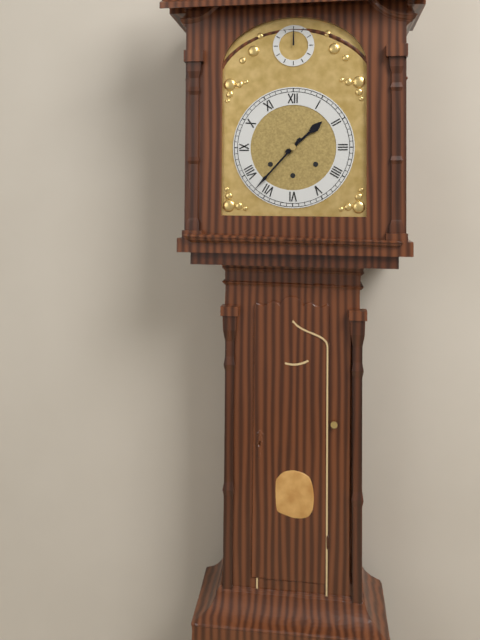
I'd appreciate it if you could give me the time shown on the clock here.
1:37
